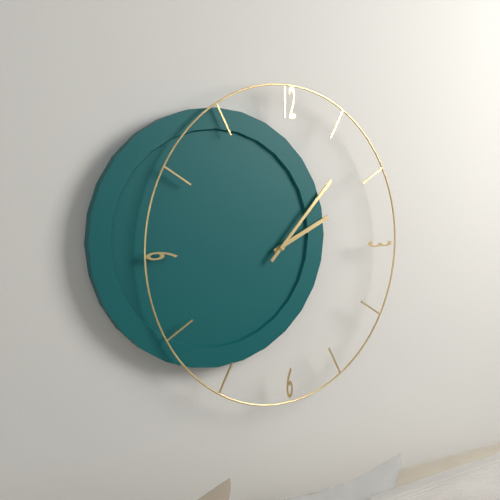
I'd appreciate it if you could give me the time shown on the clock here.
2:07
